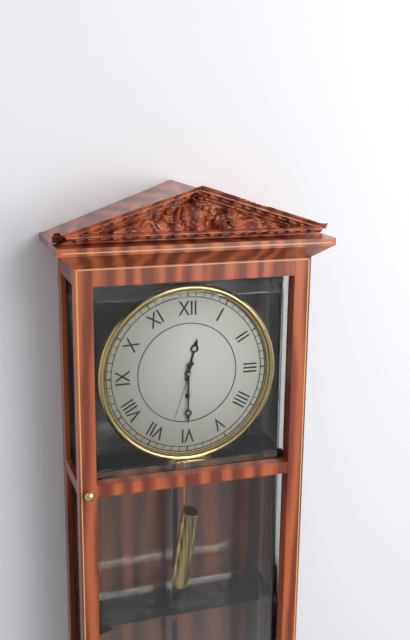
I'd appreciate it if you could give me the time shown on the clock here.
12:30:33
